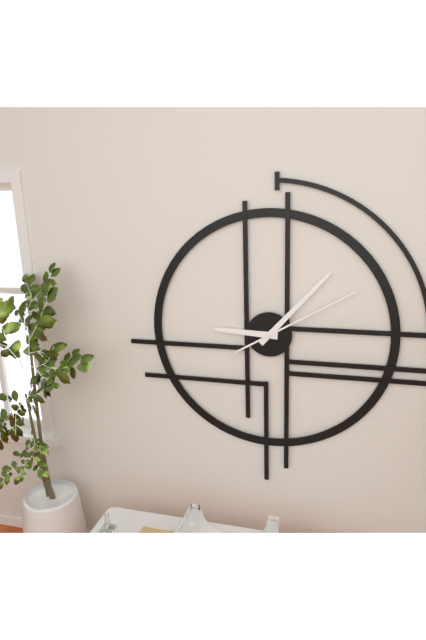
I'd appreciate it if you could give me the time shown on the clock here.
9:07:10
